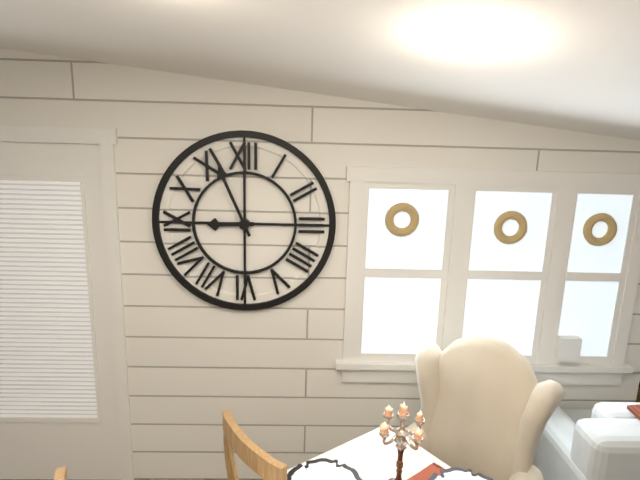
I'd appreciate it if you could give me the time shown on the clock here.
8:56
